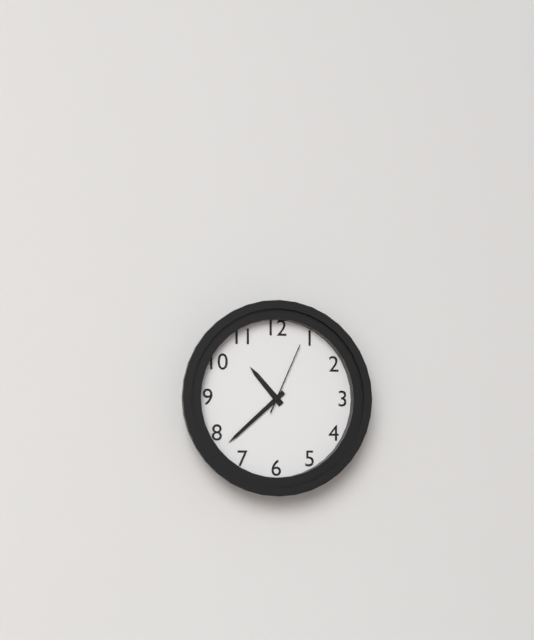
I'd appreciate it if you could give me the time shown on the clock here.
10:38:04
